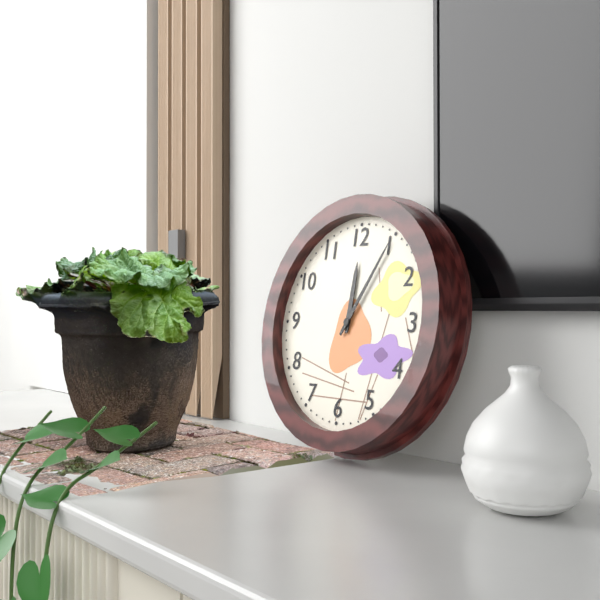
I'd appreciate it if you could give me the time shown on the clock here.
12:05
